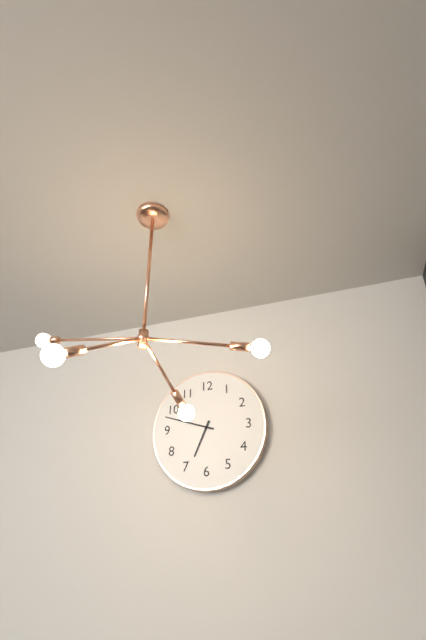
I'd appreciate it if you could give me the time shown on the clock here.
6:48
